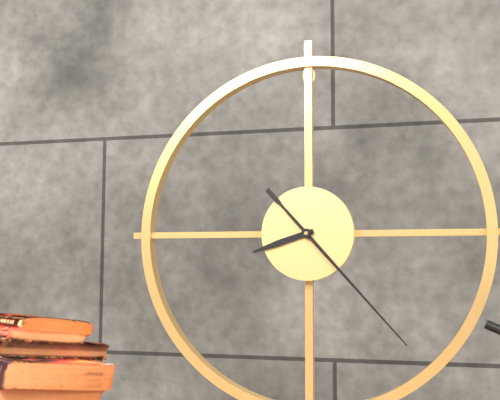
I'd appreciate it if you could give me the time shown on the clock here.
8:23
